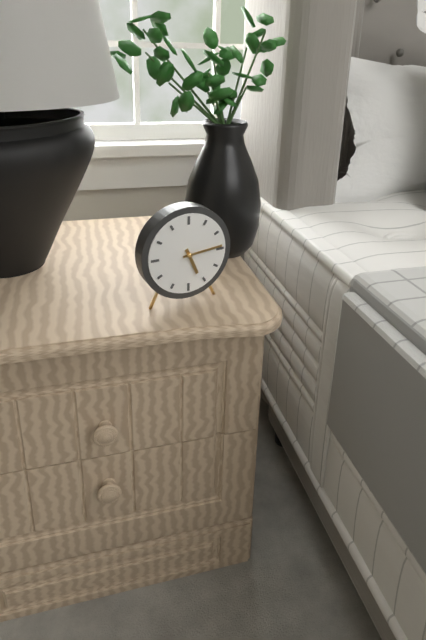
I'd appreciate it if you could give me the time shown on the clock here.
5:14
